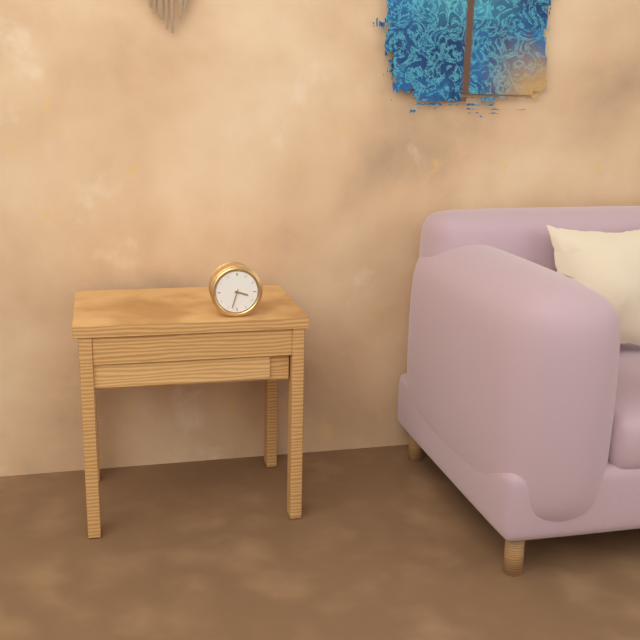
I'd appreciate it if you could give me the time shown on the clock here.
3:33
